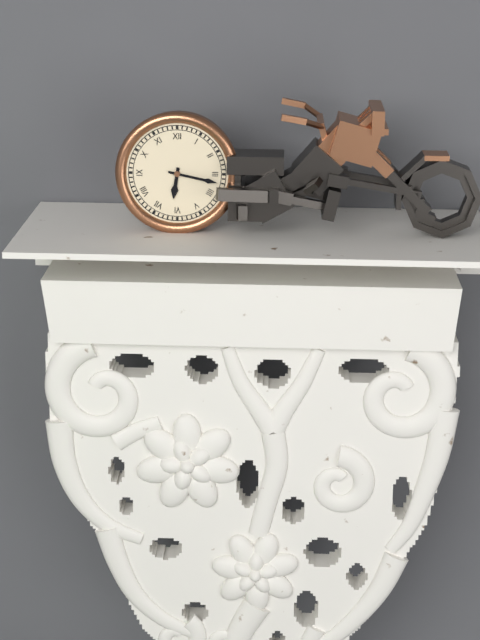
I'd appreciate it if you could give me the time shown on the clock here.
6:17
